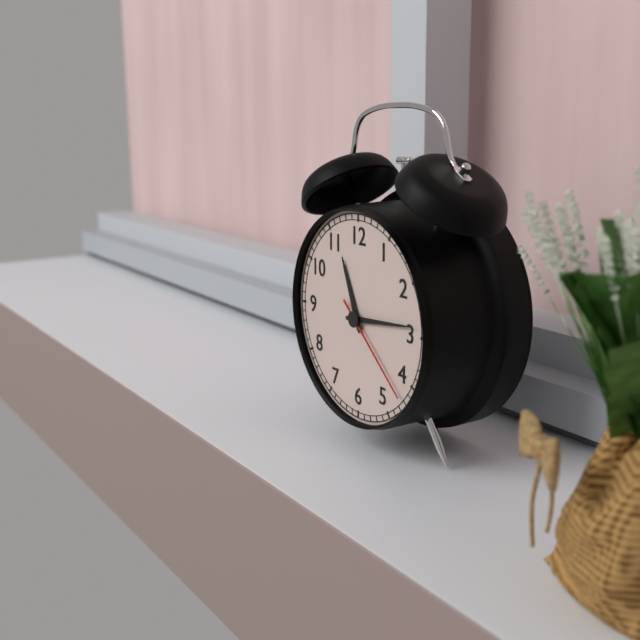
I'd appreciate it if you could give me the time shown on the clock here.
11:14:22
